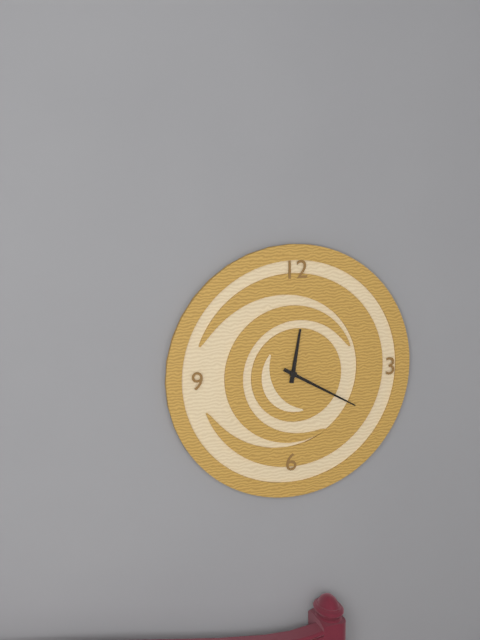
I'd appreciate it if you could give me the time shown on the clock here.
12:20
